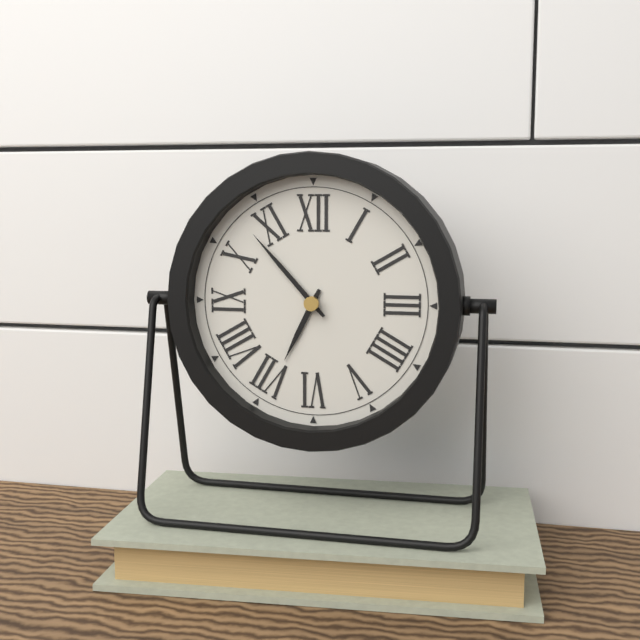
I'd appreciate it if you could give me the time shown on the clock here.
6:53
